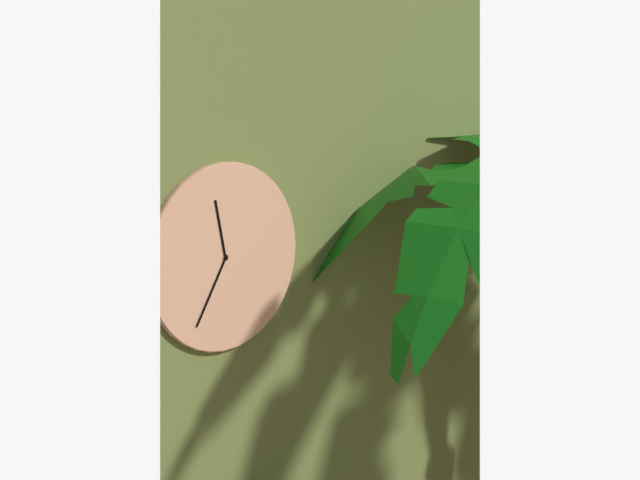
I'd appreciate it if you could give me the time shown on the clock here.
11:35
